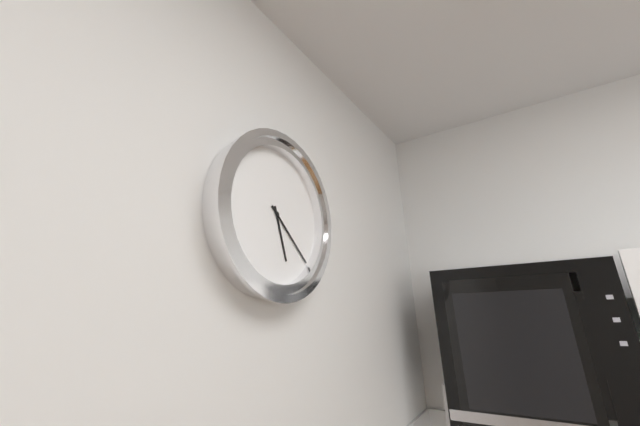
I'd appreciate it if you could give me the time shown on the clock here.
5:22
